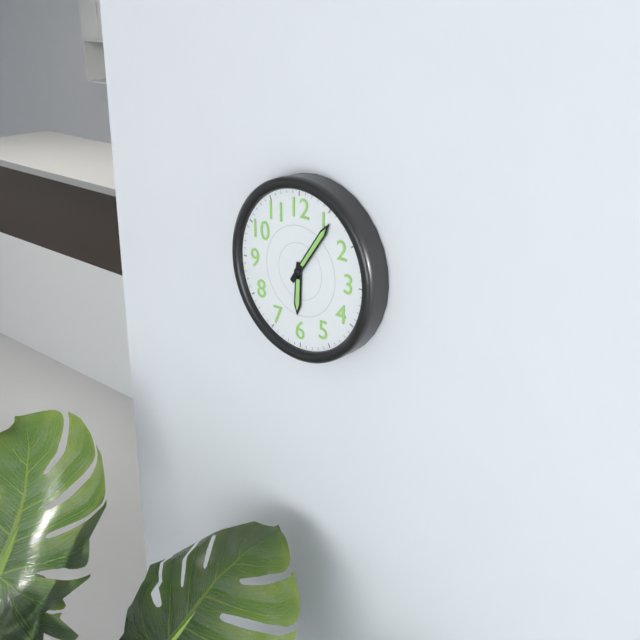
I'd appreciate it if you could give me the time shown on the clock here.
6:06
